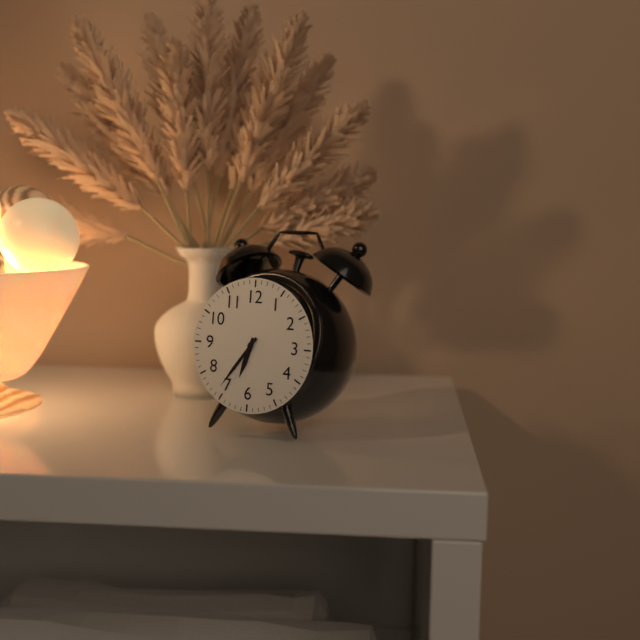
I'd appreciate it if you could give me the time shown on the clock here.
6:36
